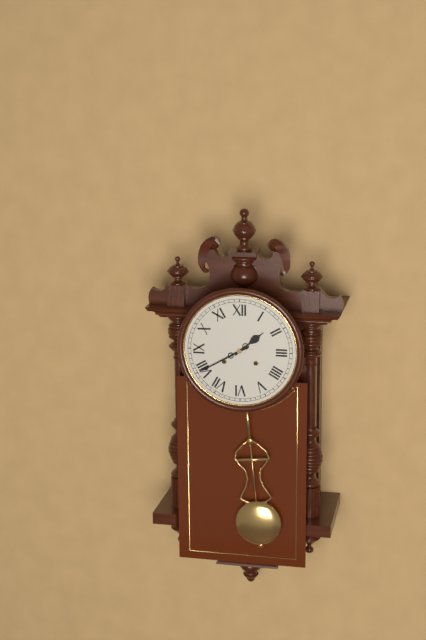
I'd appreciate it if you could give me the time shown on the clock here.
1:40
